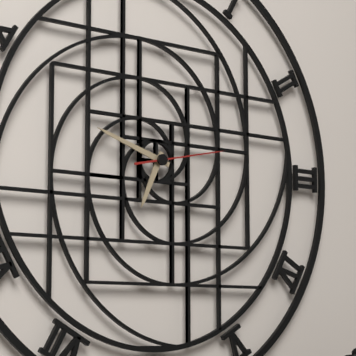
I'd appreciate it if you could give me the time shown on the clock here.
6:48:13
